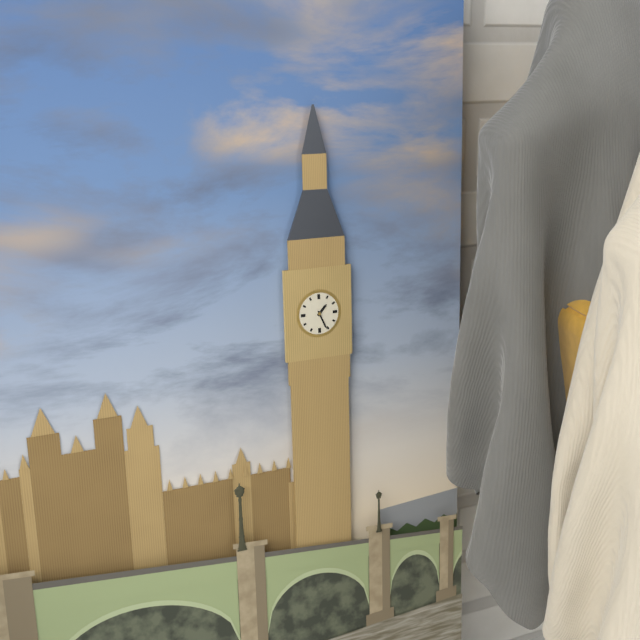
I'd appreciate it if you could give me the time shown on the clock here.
1:26
